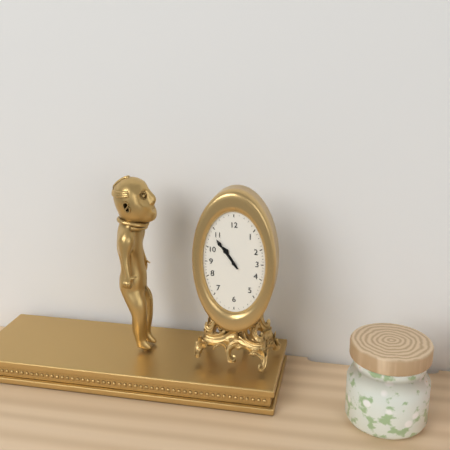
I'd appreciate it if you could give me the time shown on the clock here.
10:54
